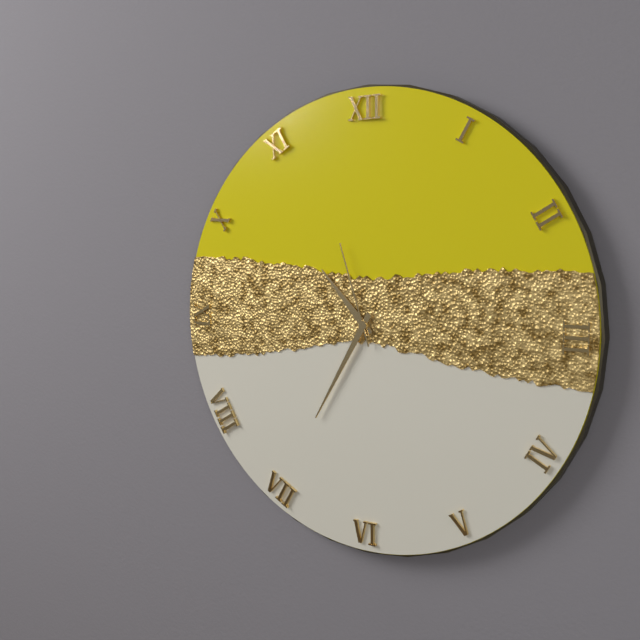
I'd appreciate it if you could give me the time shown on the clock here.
10:35:57
